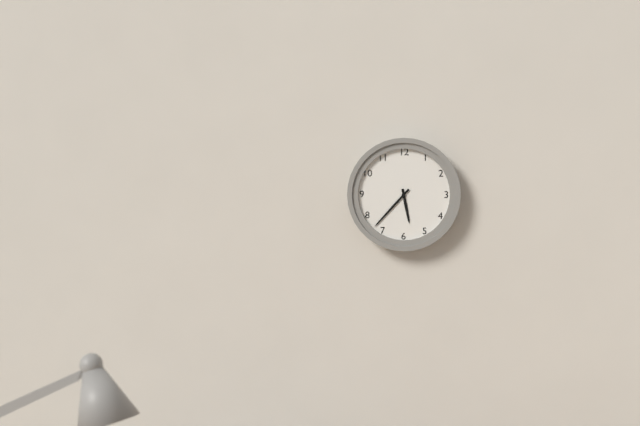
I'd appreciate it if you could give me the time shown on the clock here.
5:37
